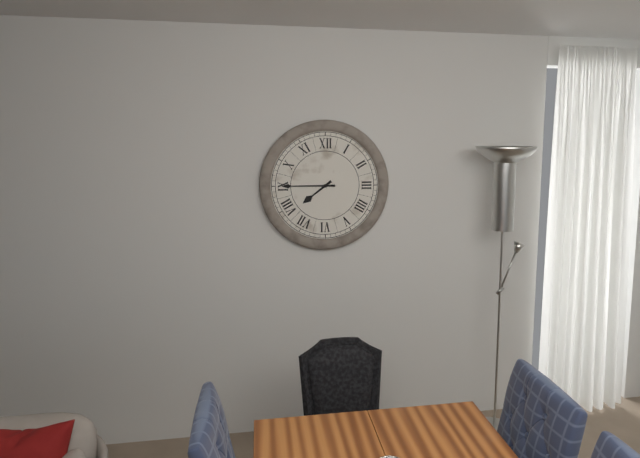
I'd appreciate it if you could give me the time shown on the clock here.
7:45
